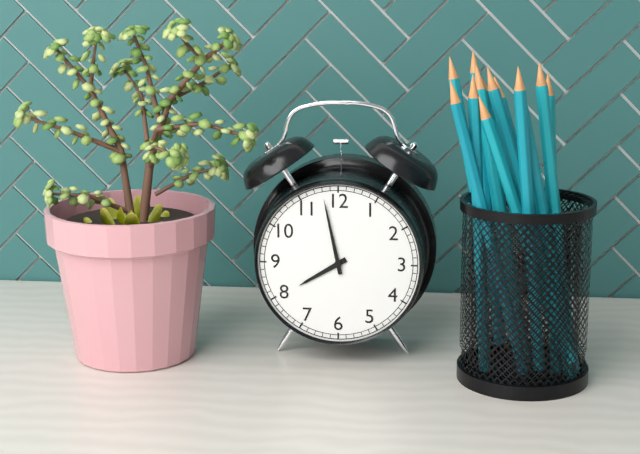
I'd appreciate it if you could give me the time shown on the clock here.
7:58
